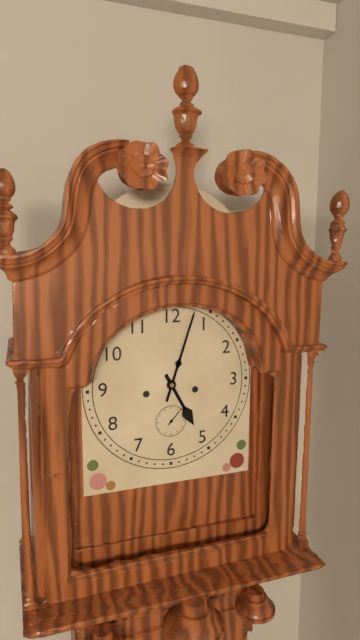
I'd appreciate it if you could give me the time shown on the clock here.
5:03
